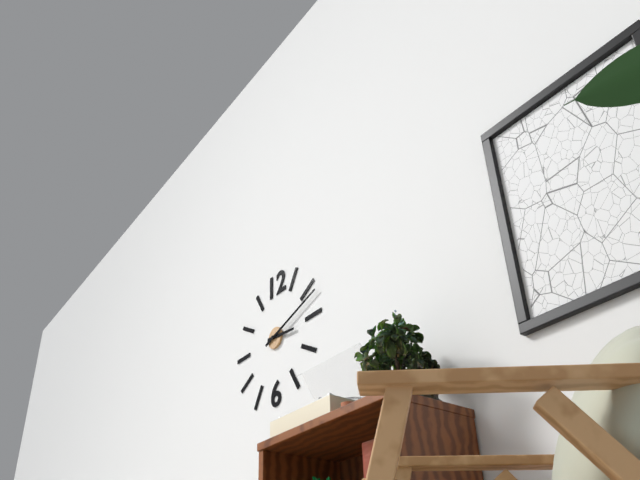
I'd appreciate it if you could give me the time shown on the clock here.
3:12
